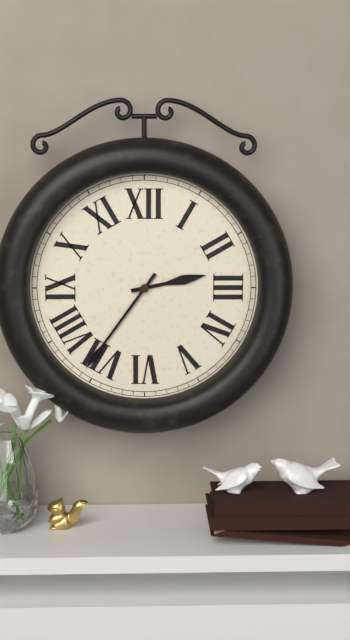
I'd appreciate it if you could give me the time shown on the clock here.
2:36
